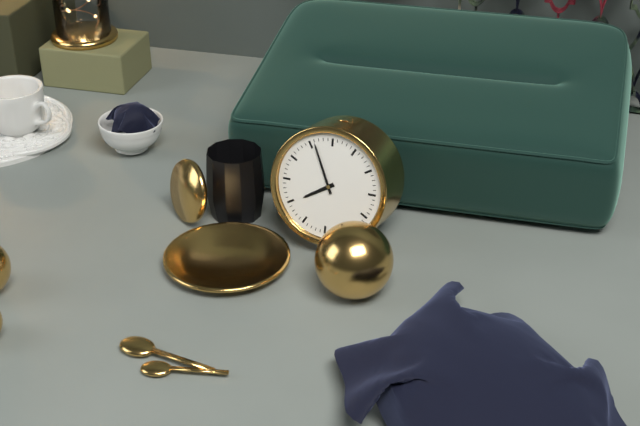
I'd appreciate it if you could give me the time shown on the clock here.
7:56
